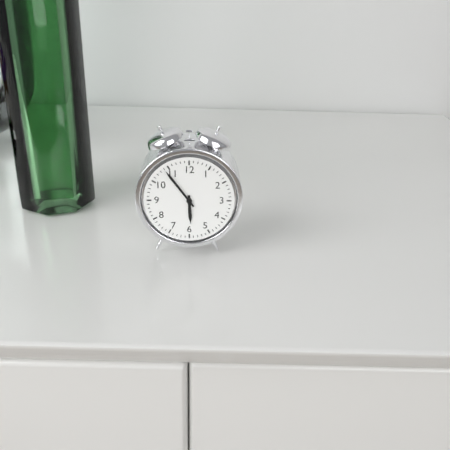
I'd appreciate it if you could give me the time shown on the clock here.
5:54
